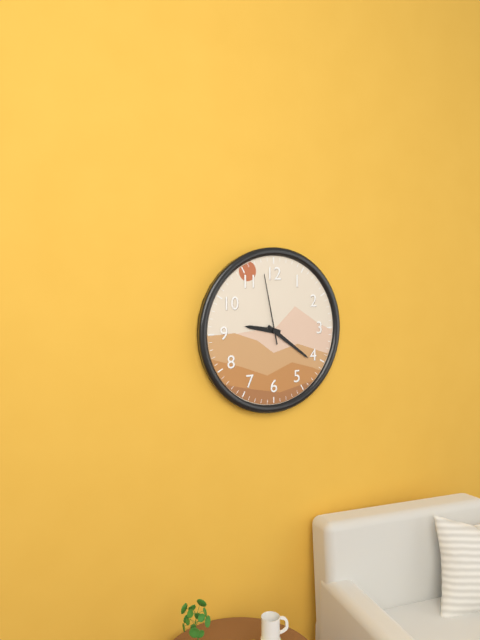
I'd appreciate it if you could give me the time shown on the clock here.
9:21:58
